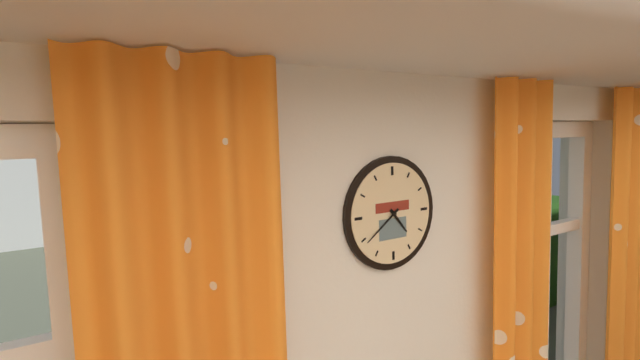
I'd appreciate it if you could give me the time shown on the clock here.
4:39
